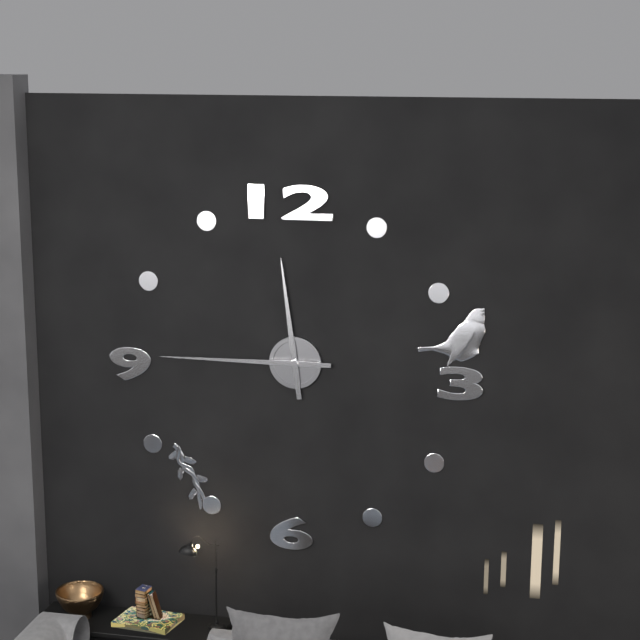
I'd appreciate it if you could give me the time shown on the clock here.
11:45
